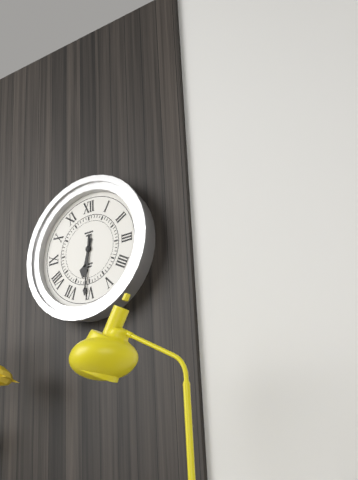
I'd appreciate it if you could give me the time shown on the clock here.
6:31
